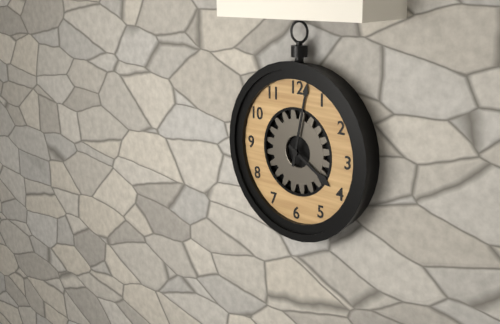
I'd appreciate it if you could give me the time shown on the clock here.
4:02
